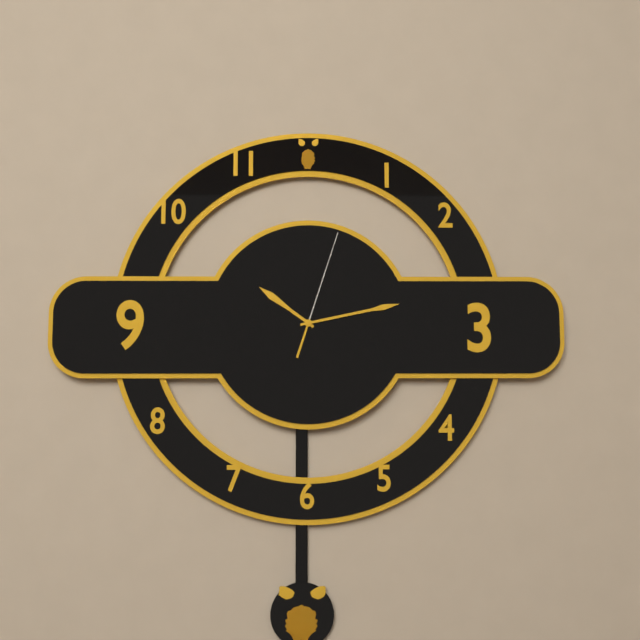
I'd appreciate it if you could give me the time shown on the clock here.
10:13:03
